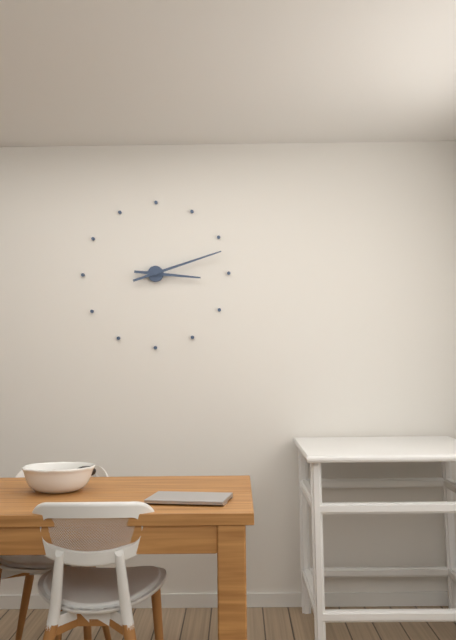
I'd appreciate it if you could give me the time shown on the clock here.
3:12
